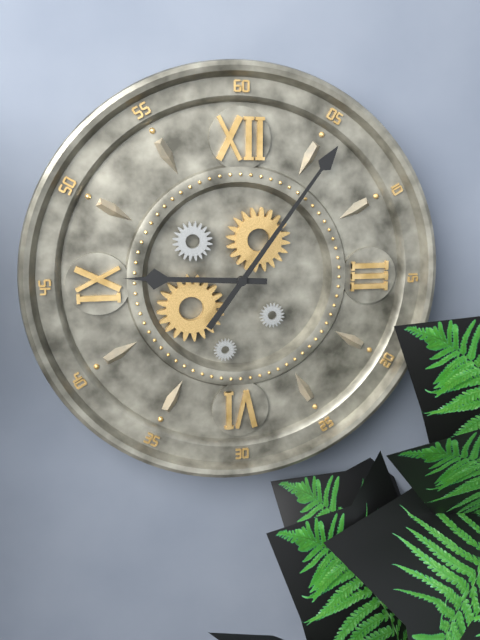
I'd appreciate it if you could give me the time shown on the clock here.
9:06
